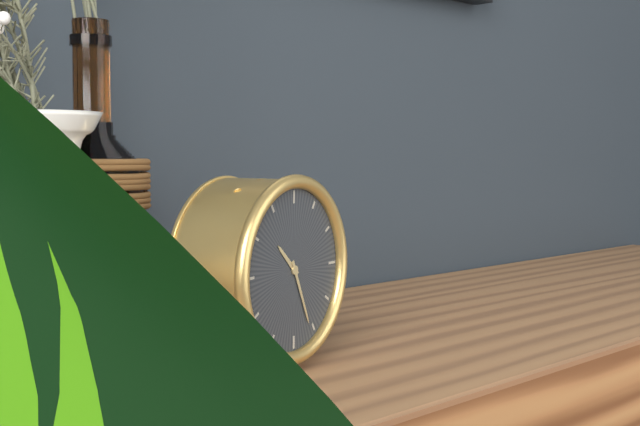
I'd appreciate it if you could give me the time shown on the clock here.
10:26
